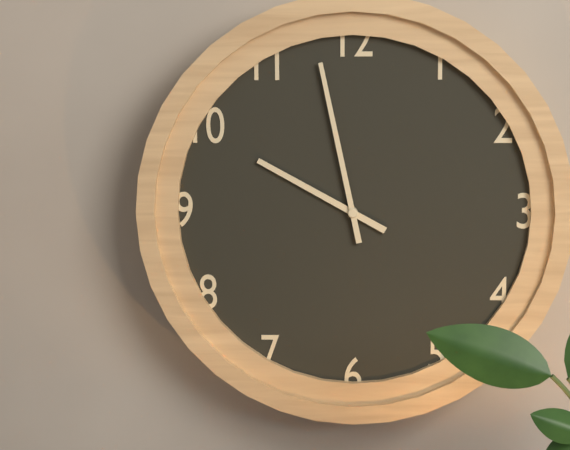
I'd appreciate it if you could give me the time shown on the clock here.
9:58
